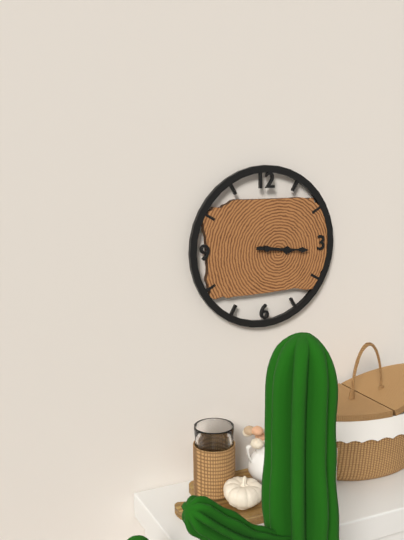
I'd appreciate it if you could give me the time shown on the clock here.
3:16
